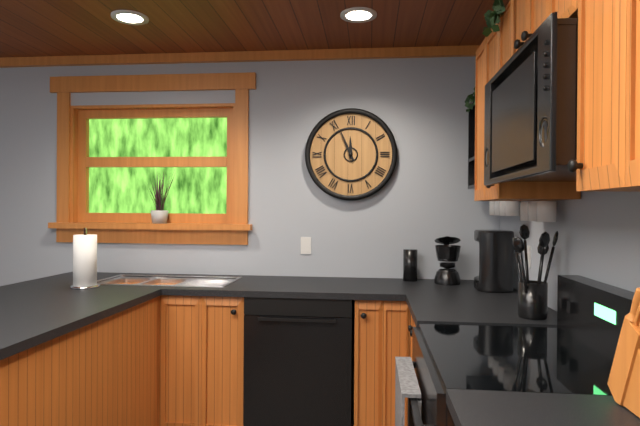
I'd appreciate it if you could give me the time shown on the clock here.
11:56
